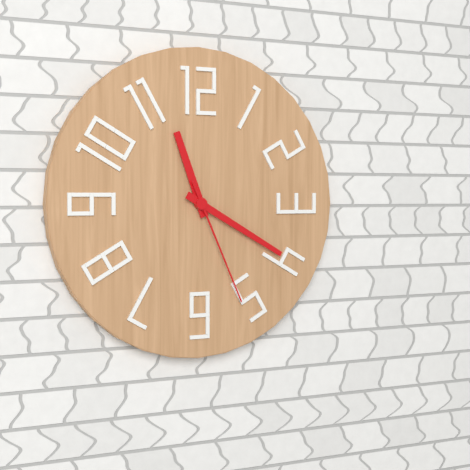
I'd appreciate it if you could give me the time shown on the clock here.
11:20:26
